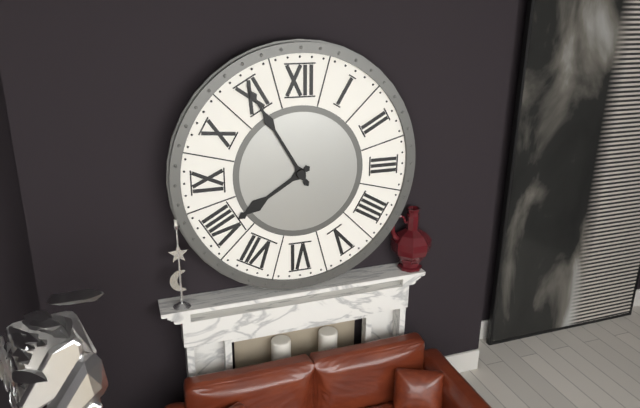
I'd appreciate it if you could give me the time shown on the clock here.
7:55
